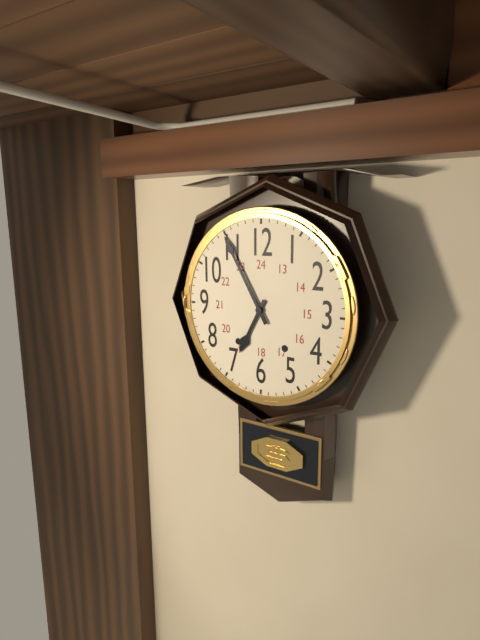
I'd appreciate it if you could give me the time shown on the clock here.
6:55
